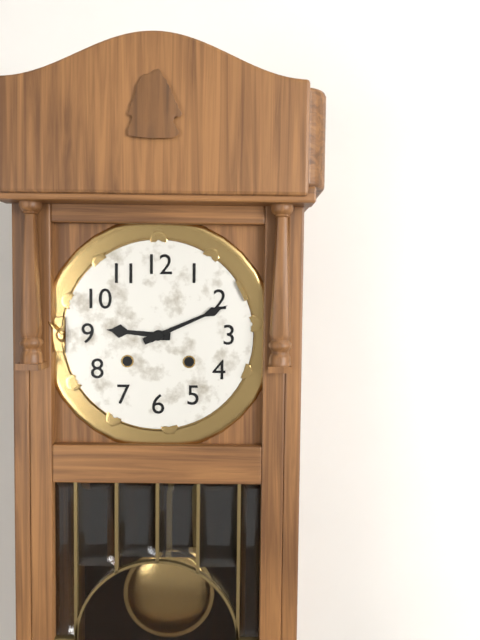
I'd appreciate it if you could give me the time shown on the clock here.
9:11
